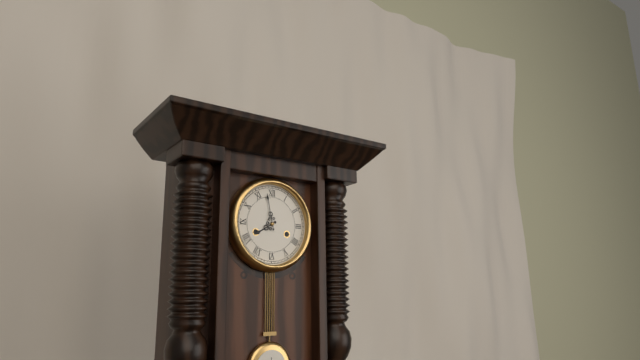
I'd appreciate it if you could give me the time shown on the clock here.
7:58
